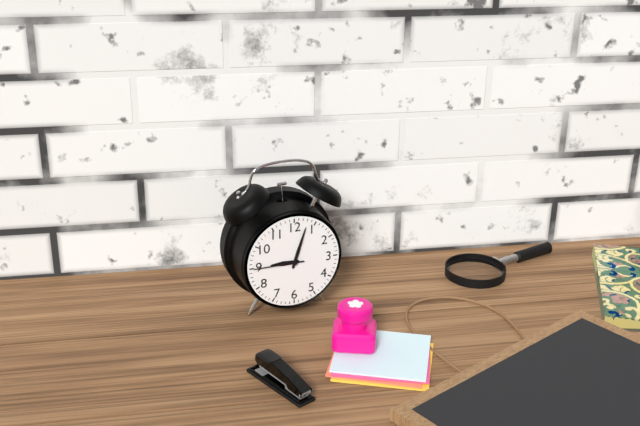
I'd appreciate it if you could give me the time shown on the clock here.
9:03:45
